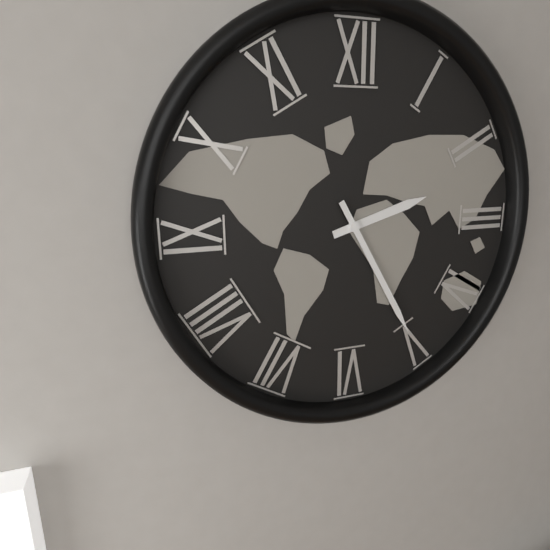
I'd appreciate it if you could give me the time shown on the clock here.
2:25
